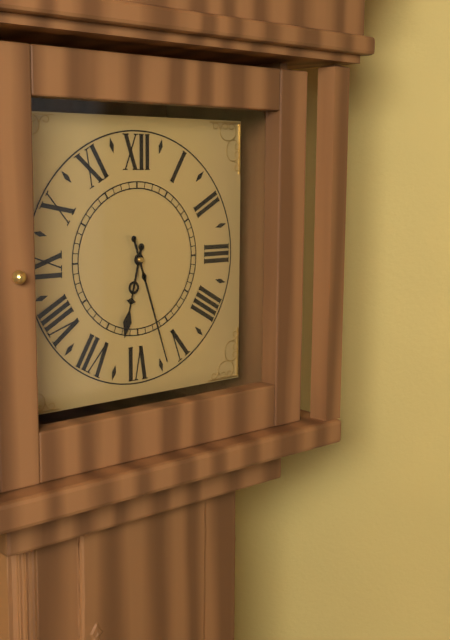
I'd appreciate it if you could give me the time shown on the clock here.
6:27
